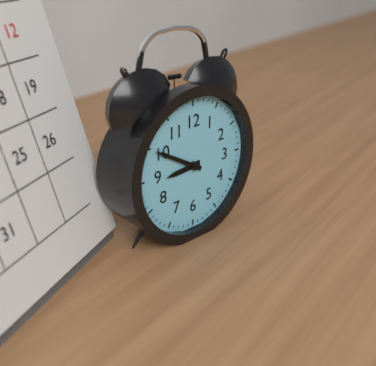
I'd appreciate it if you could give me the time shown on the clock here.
8:50
